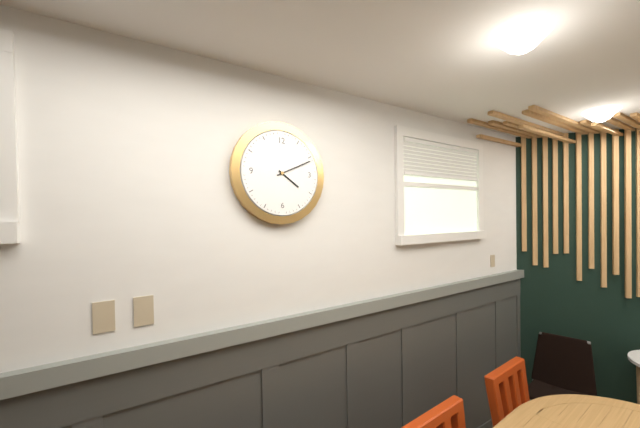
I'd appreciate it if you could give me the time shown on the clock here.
4:11
